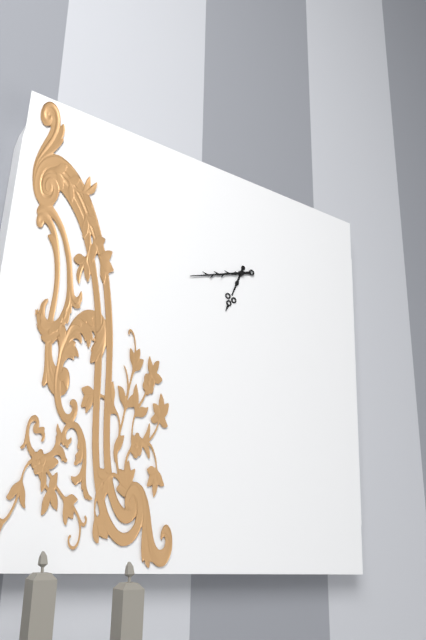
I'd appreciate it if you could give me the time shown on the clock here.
6:42
